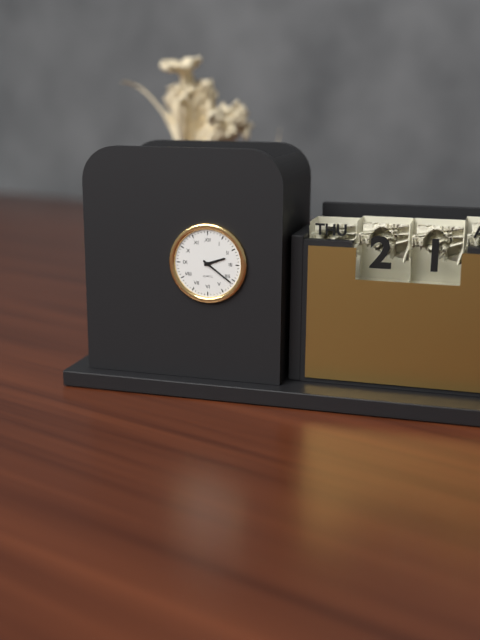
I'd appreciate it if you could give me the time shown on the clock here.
2:21
